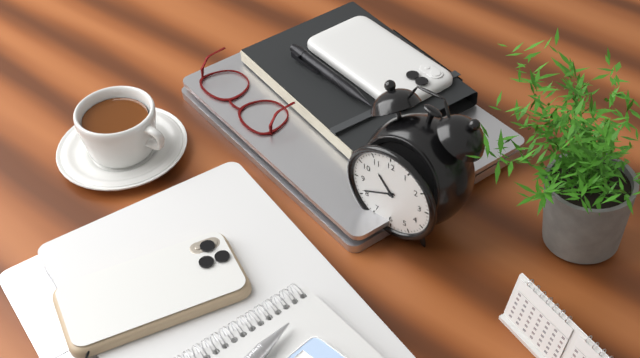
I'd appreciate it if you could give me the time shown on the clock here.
10:41
